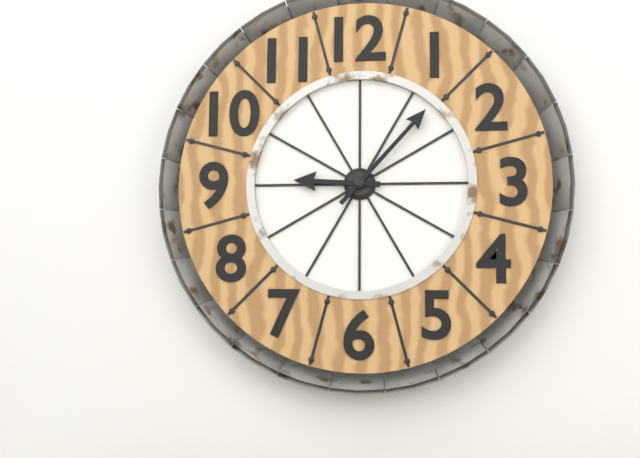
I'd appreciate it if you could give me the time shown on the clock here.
9:07
